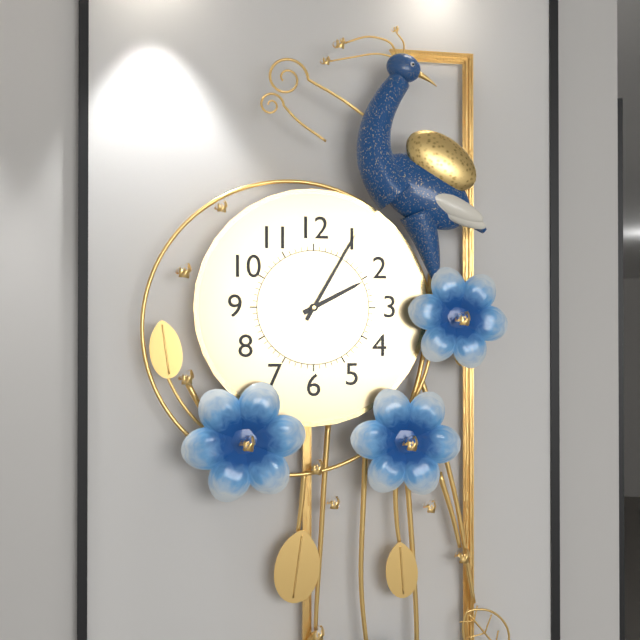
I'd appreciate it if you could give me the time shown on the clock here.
2:05
